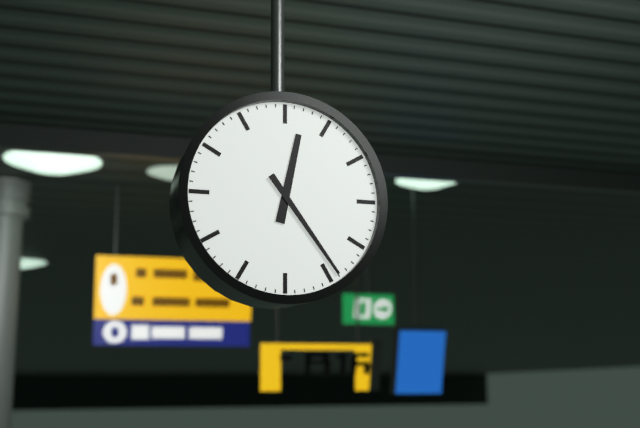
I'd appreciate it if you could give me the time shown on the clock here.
12:24
